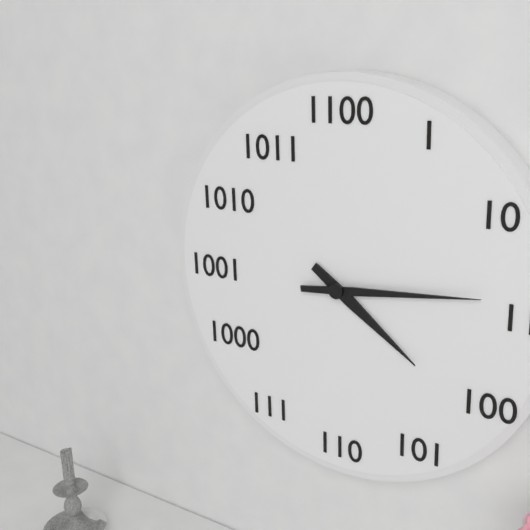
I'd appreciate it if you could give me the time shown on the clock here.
4:14
